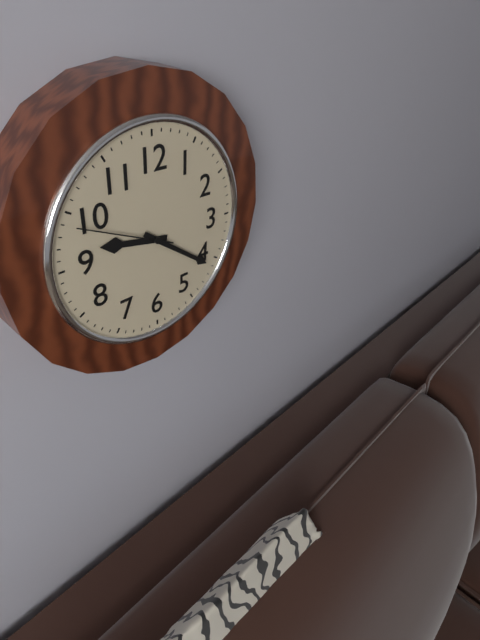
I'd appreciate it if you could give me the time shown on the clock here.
9:21:49
